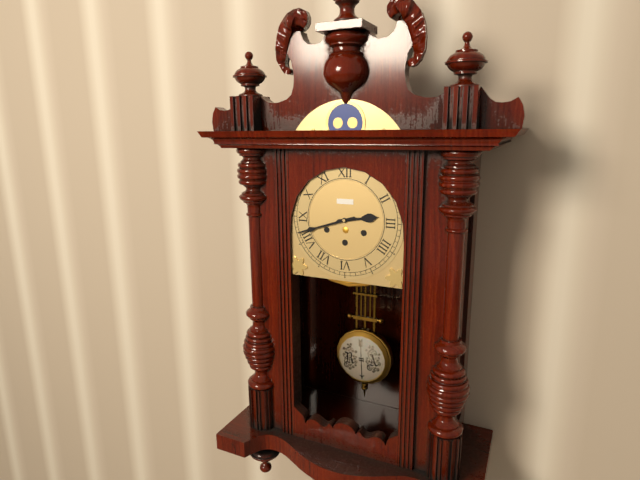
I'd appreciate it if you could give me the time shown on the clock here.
2:42
